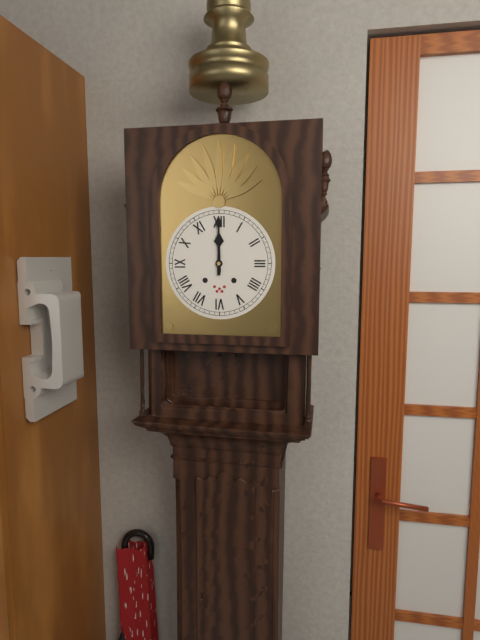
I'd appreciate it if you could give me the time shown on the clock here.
12:00
